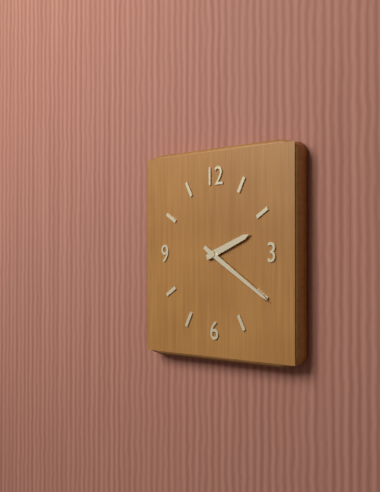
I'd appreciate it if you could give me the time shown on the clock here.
2:20
